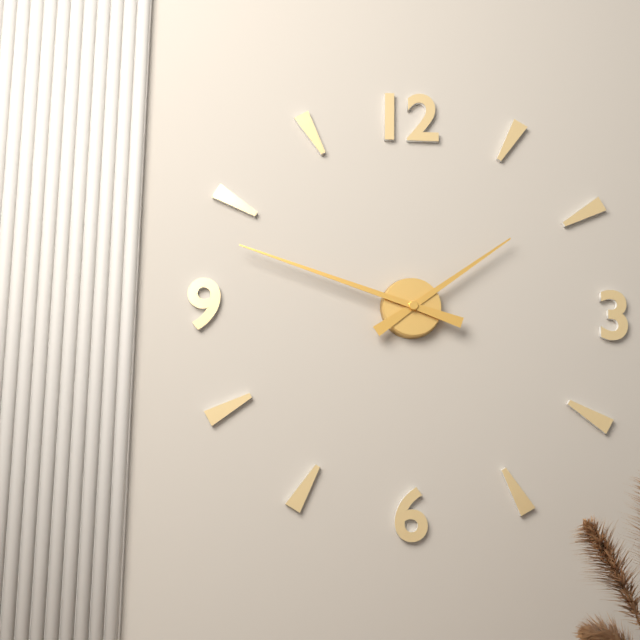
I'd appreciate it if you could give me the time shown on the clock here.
1:48
